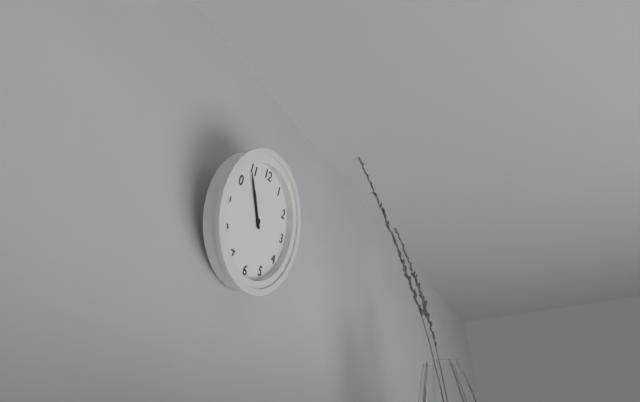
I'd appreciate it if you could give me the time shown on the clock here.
10:54
